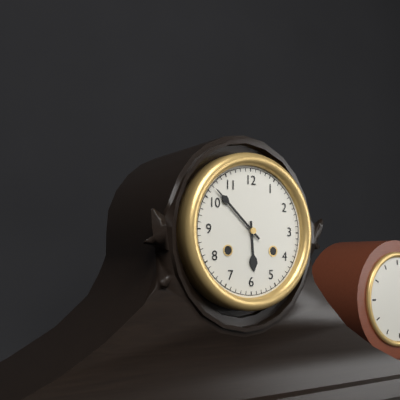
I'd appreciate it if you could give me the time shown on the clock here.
5:52
